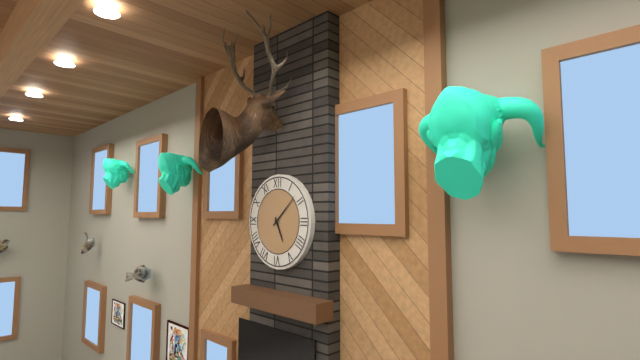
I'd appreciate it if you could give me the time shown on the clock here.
5:08
